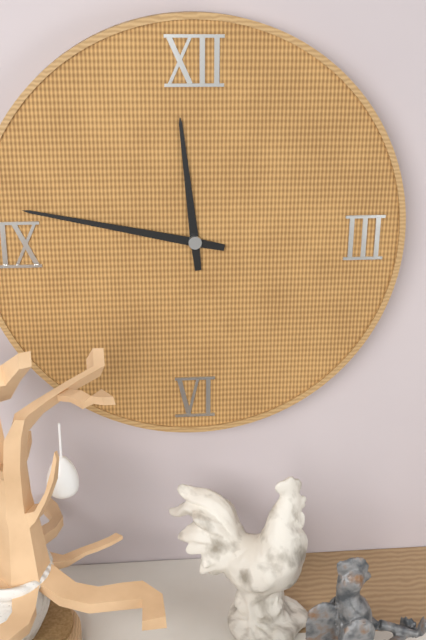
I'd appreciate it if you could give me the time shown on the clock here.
11:47
